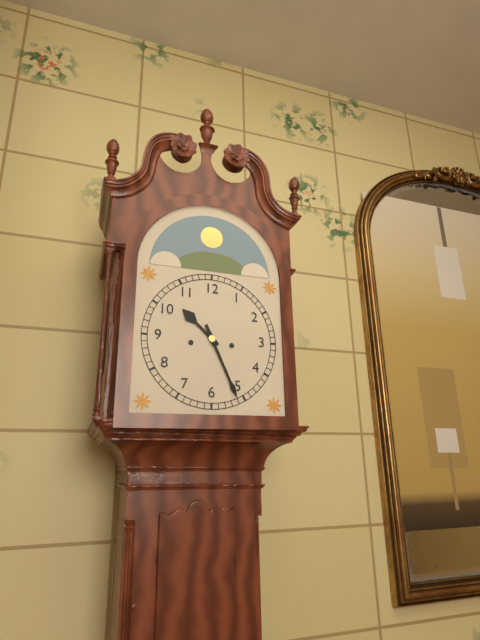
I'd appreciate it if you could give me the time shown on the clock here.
10:26
